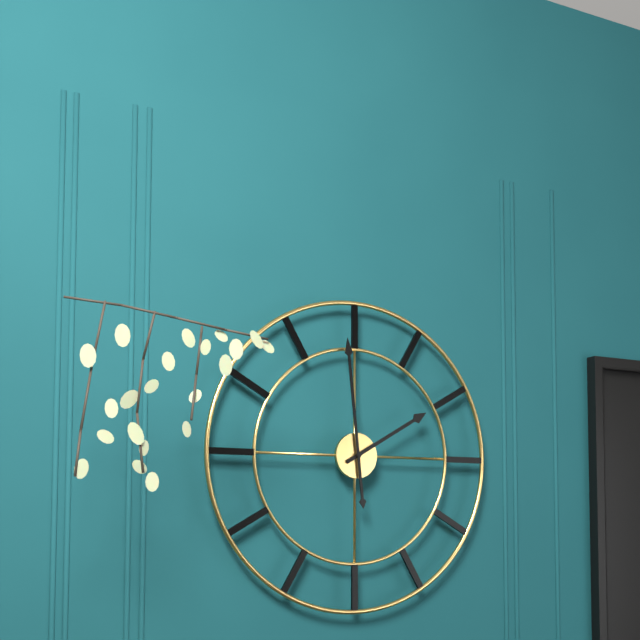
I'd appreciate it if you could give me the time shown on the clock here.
1:59
